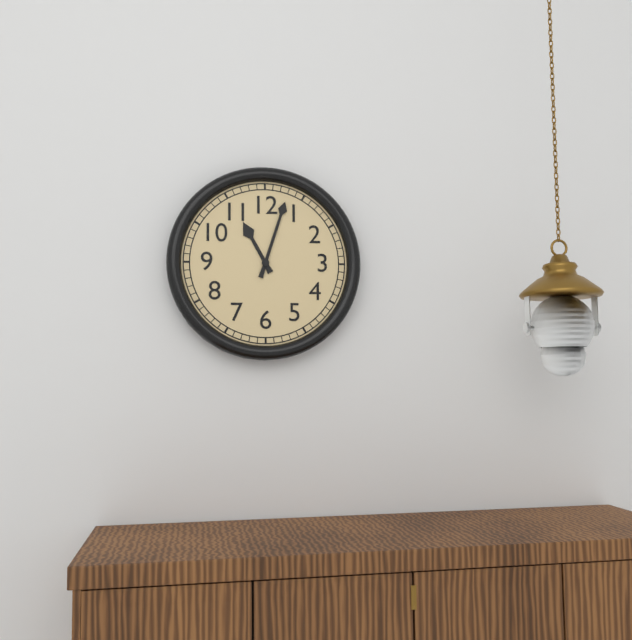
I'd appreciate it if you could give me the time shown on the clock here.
11:03
